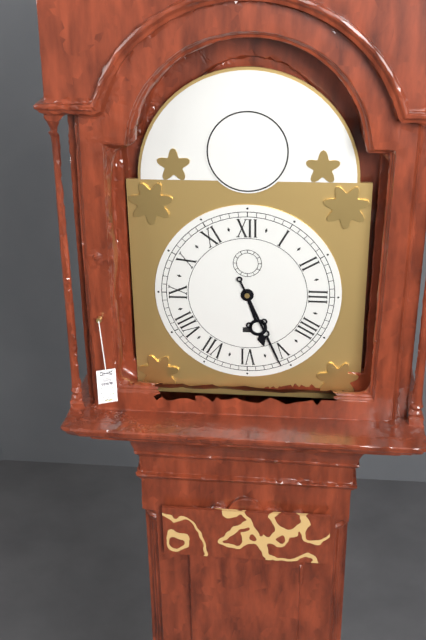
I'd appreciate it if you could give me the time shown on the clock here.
5:26
